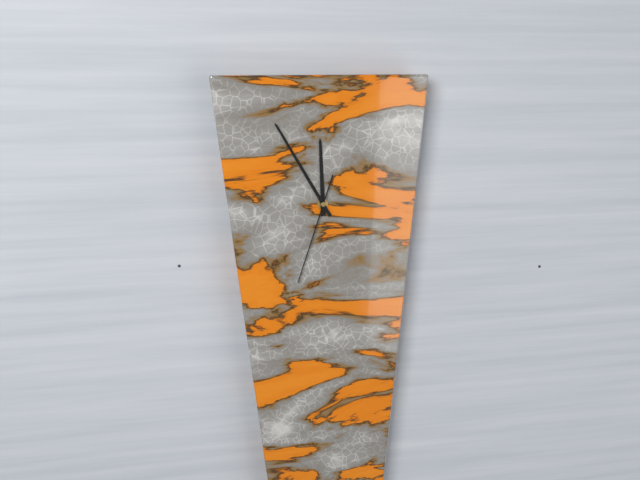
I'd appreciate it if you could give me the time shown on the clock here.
11:55:33
